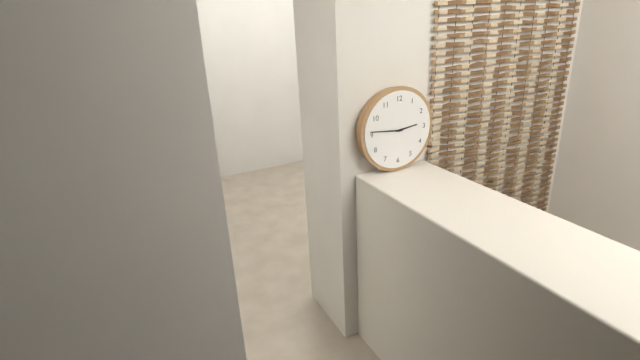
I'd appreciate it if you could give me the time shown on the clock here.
2:46
